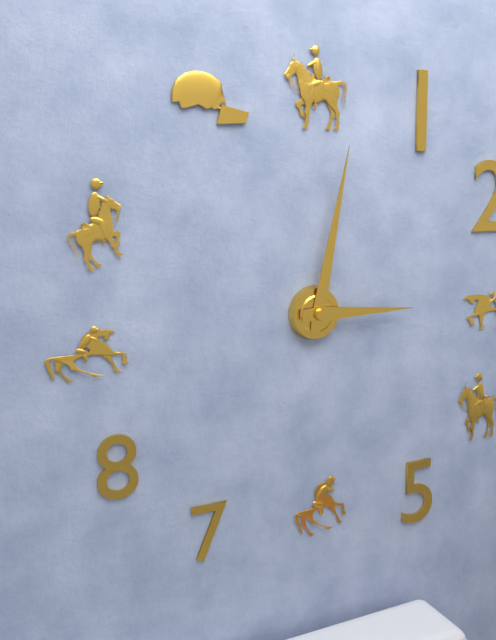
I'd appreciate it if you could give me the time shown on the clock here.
3:02
